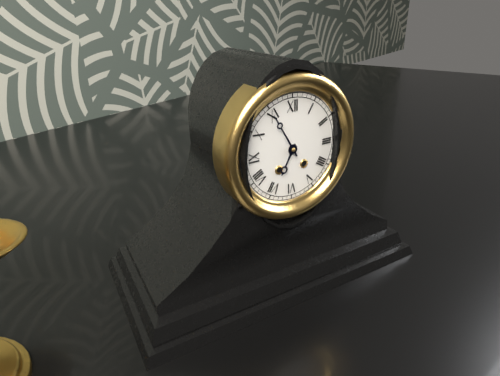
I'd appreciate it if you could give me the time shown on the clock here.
6:55
